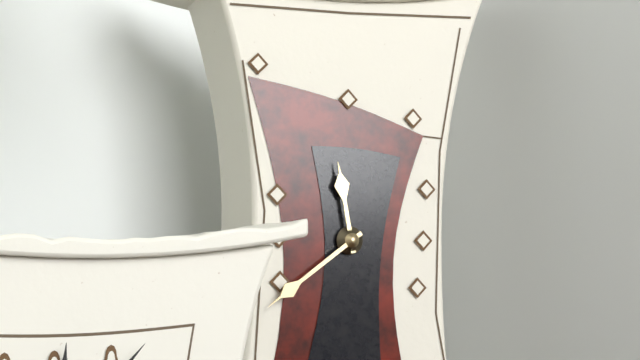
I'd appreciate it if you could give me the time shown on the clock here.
11:39
